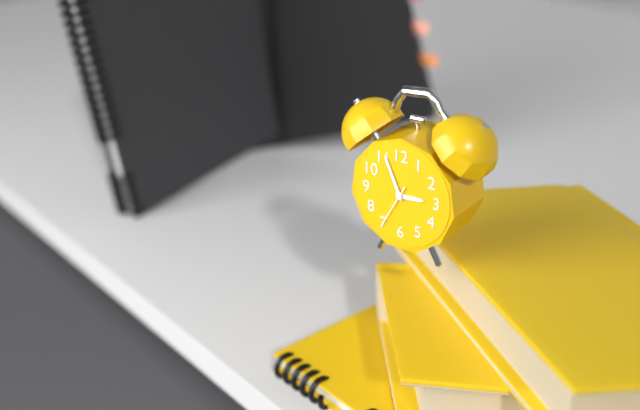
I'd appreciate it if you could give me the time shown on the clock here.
2:56
